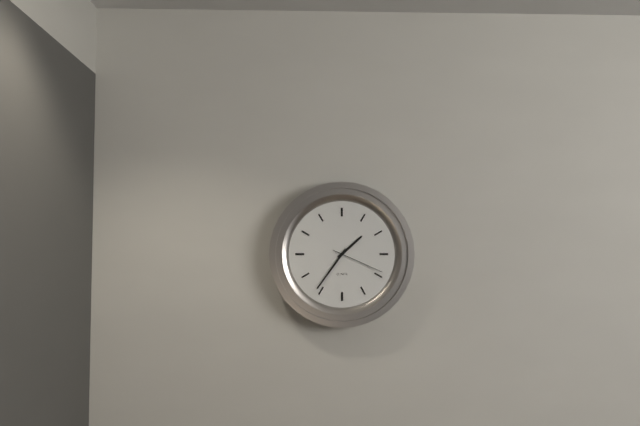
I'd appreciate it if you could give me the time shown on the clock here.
1:36:19
